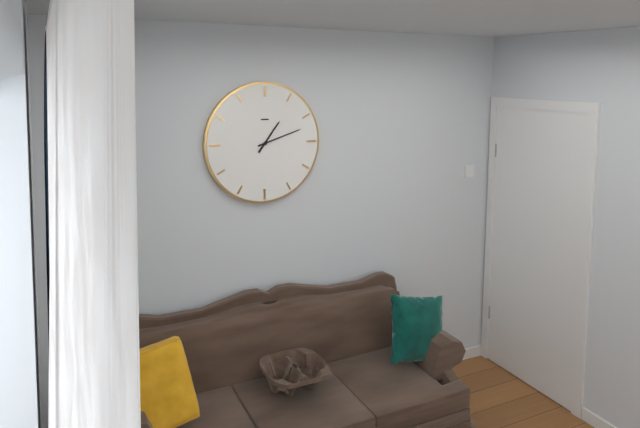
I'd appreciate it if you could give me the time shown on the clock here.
1:12
